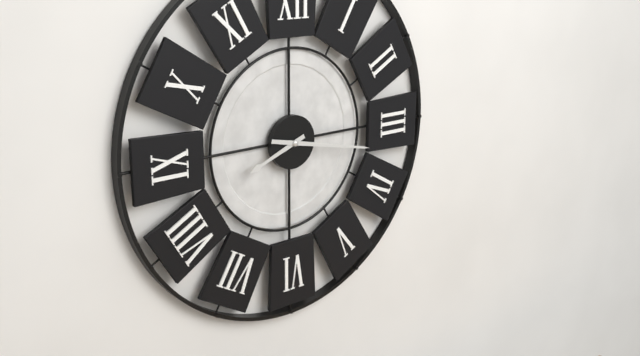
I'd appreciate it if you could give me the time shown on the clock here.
8:17
